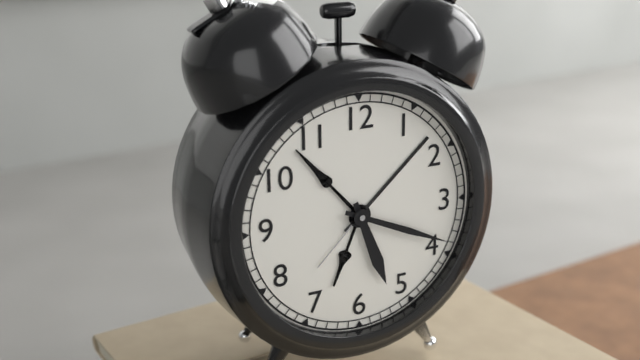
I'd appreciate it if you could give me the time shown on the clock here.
5:19
